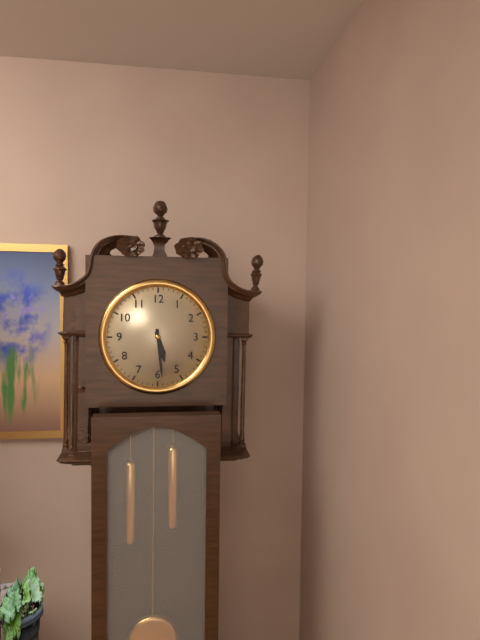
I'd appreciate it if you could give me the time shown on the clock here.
5:29
